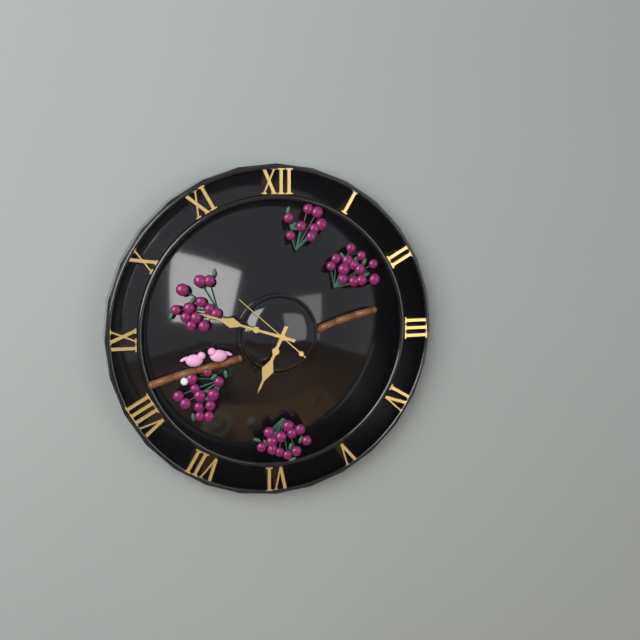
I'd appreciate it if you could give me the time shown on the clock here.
6:48:52
